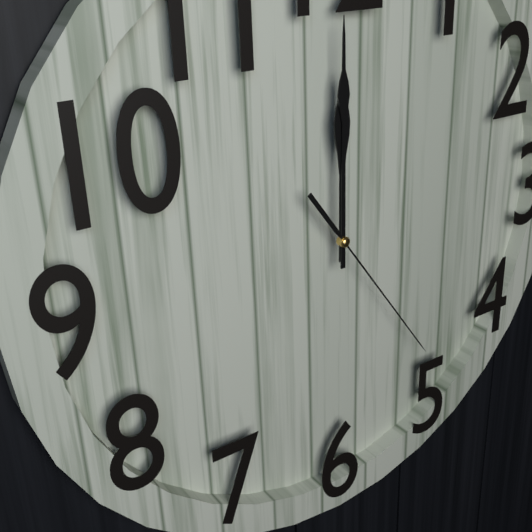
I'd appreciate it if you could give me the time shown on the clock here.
12:00:24
